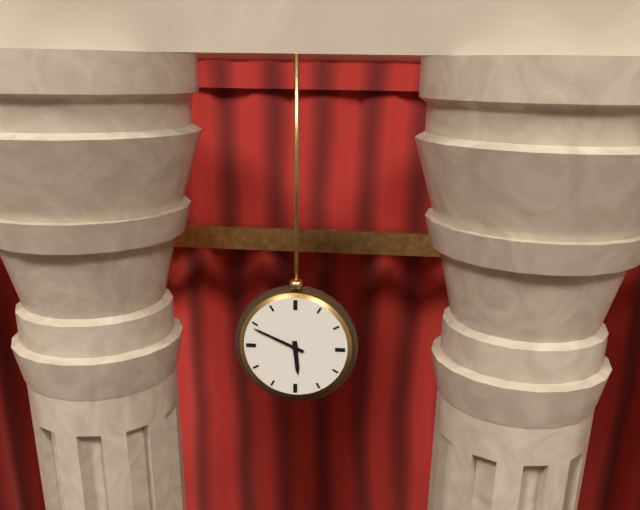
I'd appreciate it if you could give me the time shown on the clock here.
5:49
